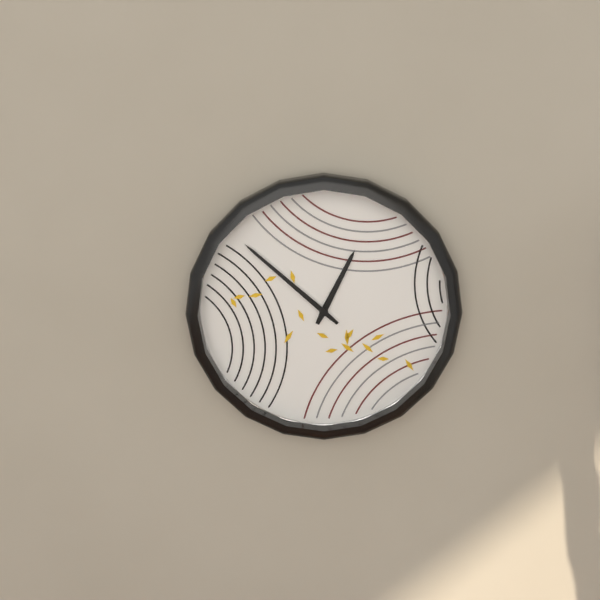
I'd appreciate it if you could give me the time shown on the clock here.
12:52
